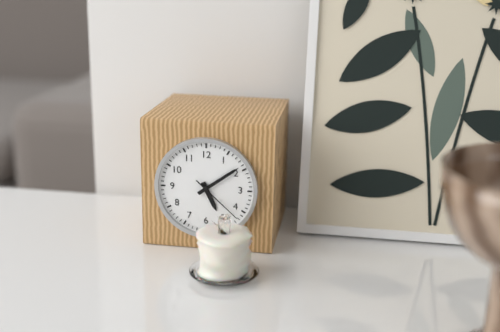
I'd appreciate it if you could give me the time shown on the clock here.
5:09:22
